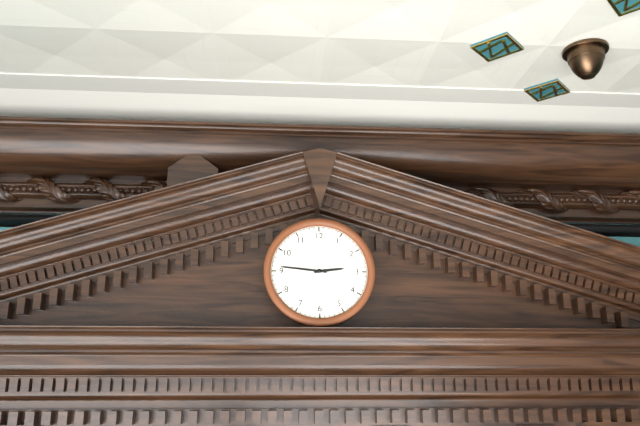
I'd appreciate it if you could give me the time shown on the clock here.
2:46
